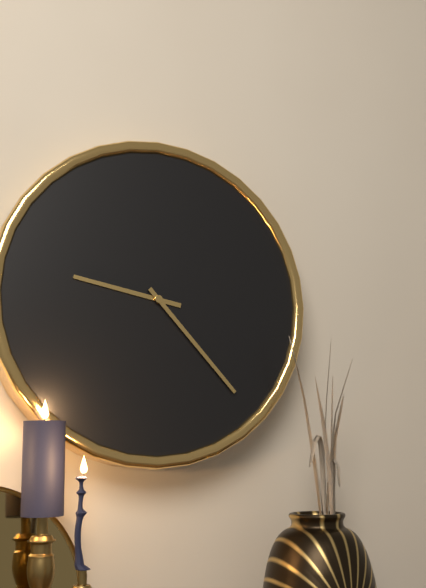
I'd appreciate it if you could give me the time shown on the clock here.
9:23
